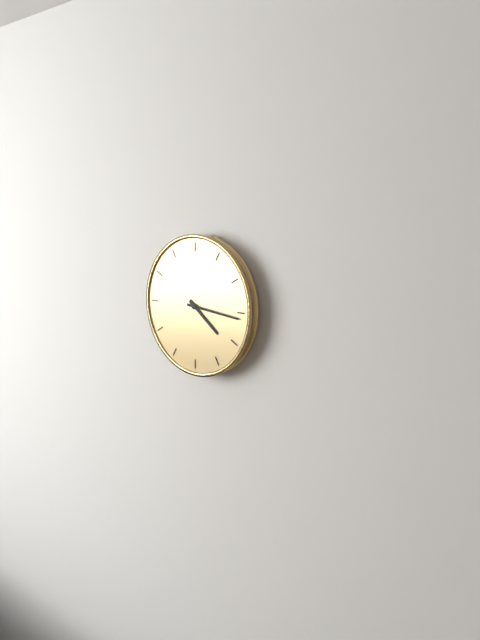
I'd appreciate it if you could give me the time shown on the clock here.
4:16
